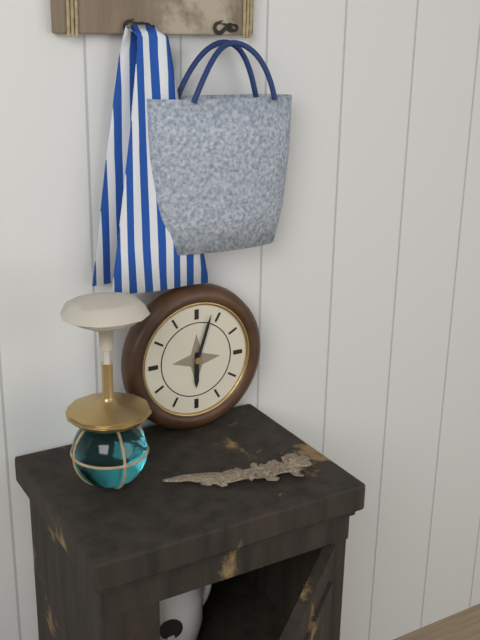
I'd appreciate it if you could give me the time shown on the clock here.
6:03
